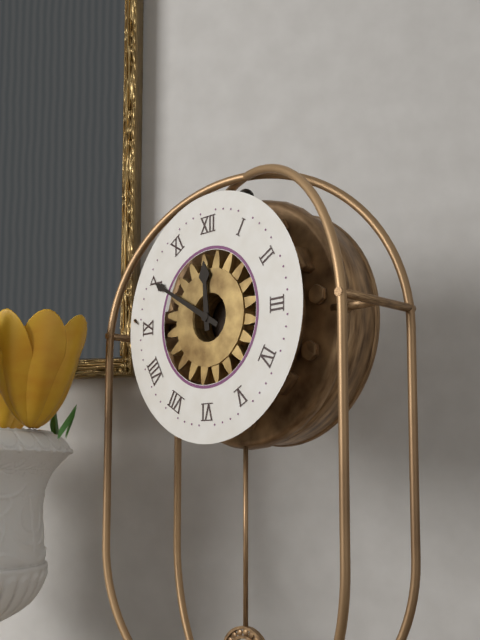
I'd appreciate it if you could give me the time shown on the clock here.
11:50
